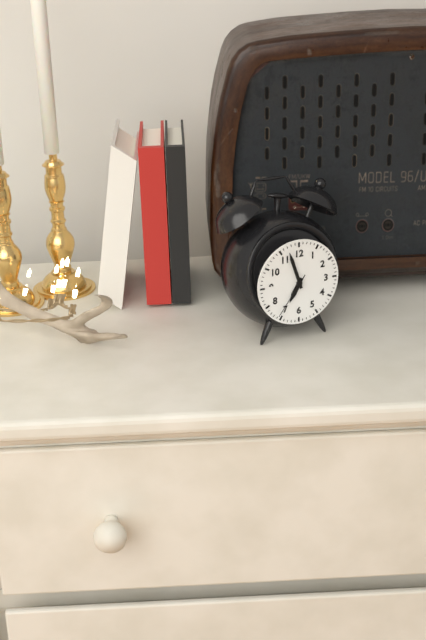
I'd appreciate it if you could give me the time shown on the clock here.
6:57
